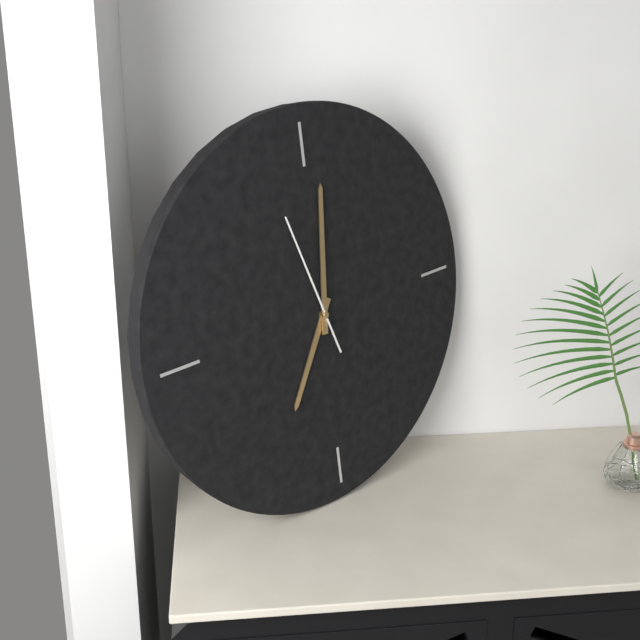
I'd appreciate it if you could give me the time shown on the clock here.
7:01:57
